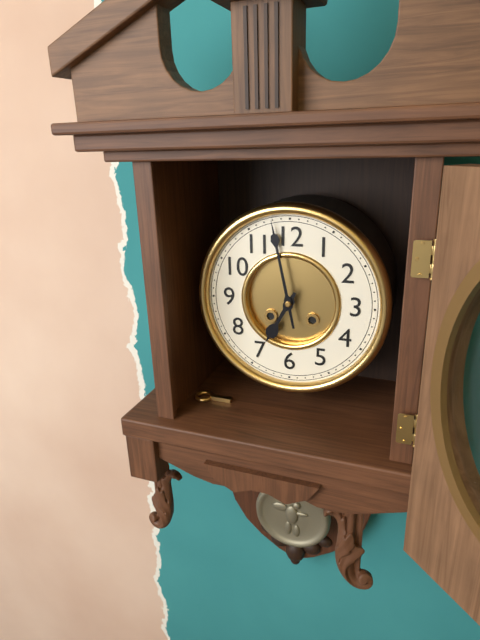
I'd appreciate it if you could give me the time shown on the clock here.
6:58
